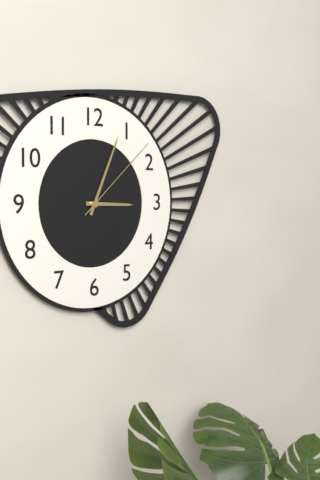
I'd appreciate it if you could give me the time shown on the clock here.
3:04:08
